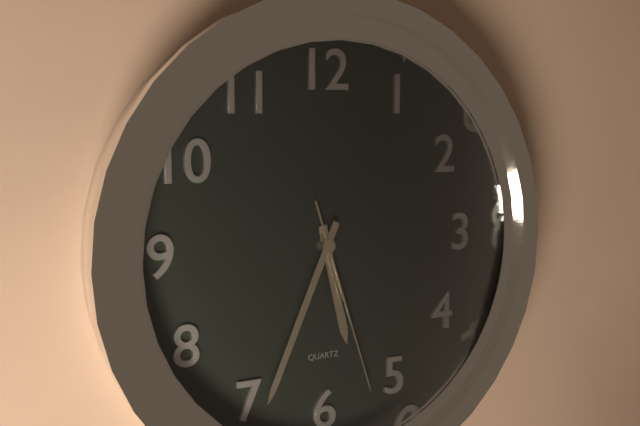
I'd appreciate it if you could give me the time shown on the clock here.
5:34:27
